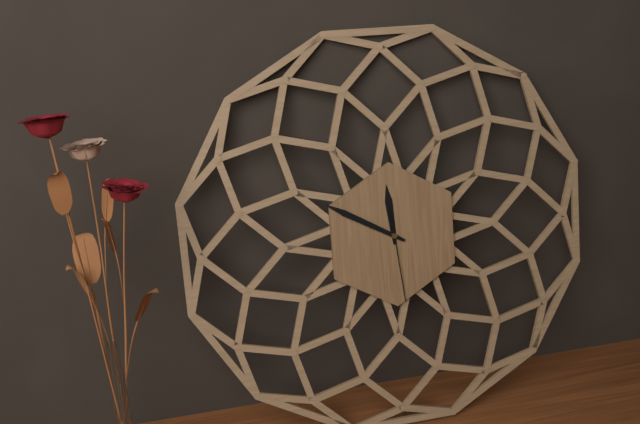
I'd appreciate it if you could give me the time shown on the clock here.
11:50:29
